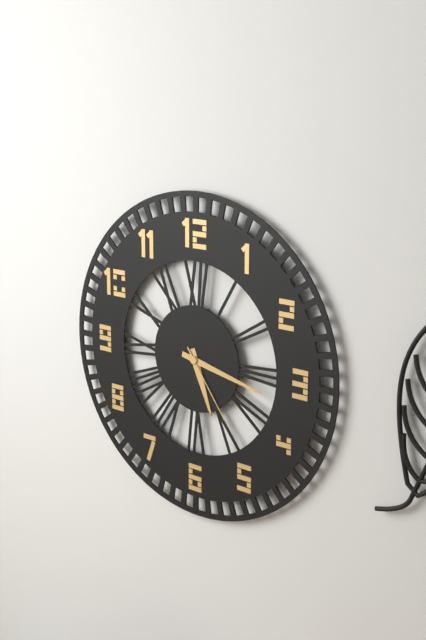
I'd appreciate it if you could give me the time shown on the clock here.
5:17:24
